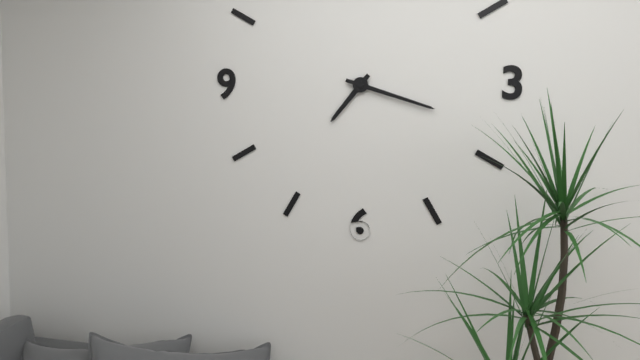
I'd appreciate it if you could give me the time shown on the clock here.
7:18
